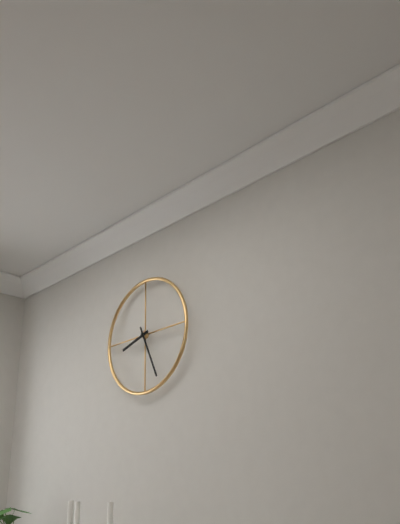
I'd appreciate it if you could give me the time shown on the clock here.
8:26
